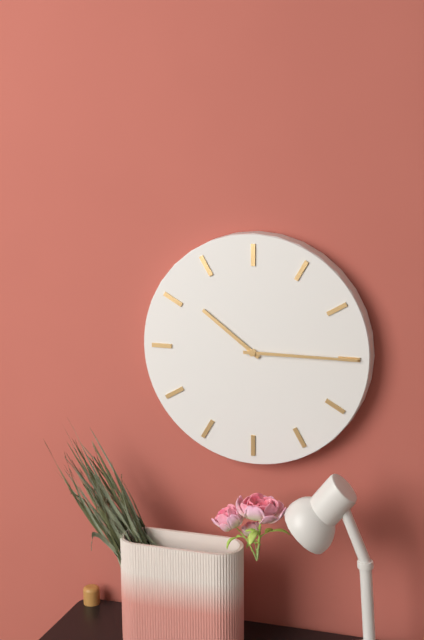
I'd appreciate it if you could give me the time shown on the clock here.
10:15
